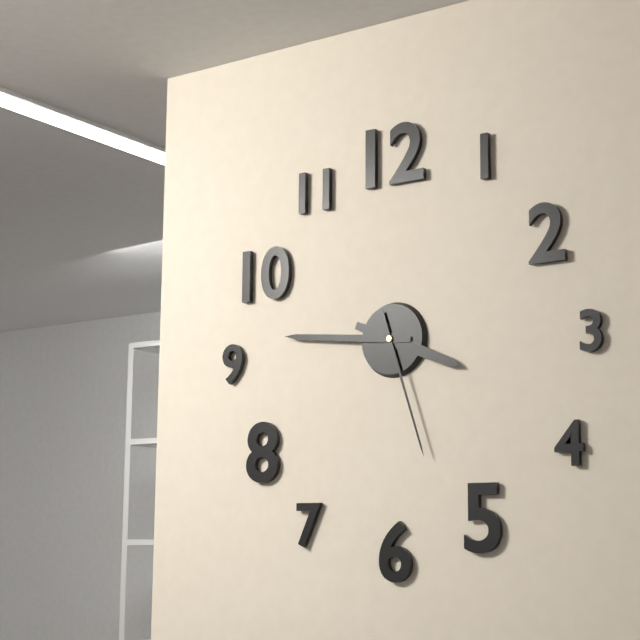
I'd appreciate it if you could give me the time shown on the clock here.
3:46:27
